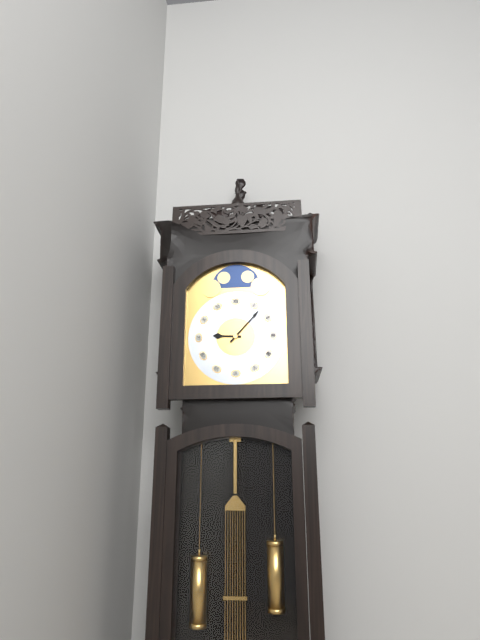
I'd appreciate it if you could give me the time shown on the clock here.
9:07
